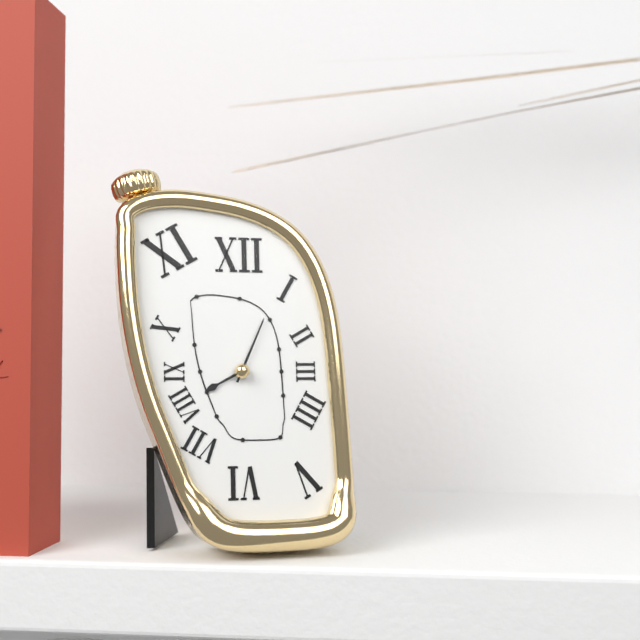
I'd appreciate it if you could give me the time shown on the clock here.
8:04
